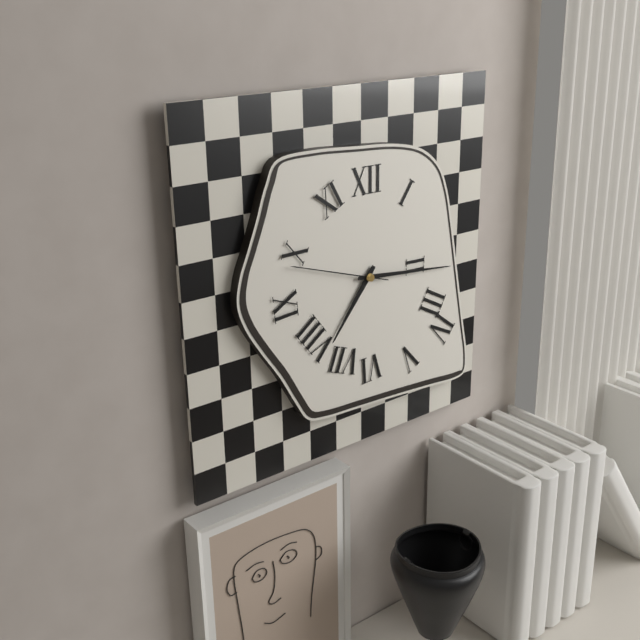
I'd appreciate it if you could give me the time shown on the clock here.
7:16:48
